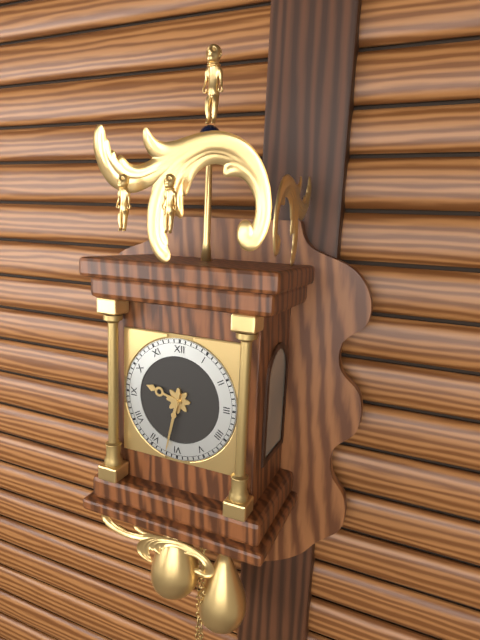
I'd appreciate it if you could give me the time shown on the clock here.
9:32
